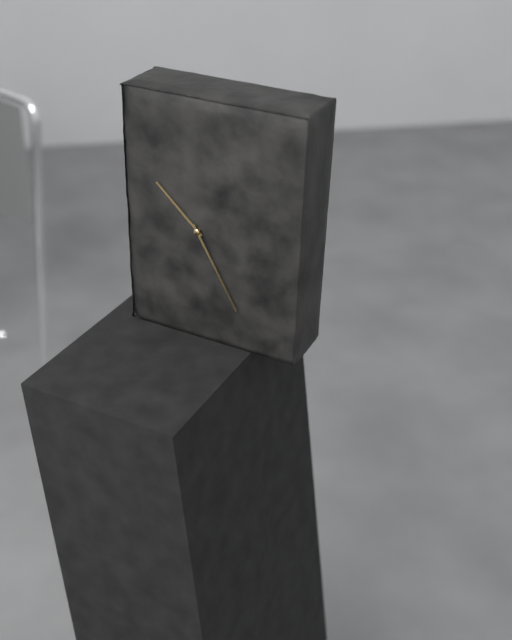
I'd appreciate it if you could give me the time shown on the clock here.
10:25
